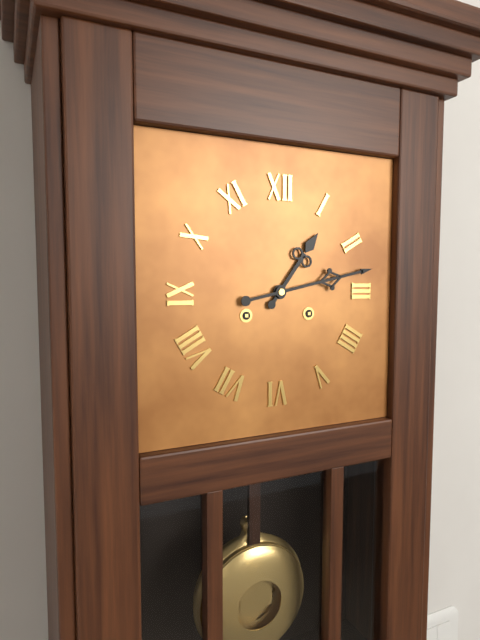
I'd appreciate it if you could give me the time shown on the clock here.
1:13
